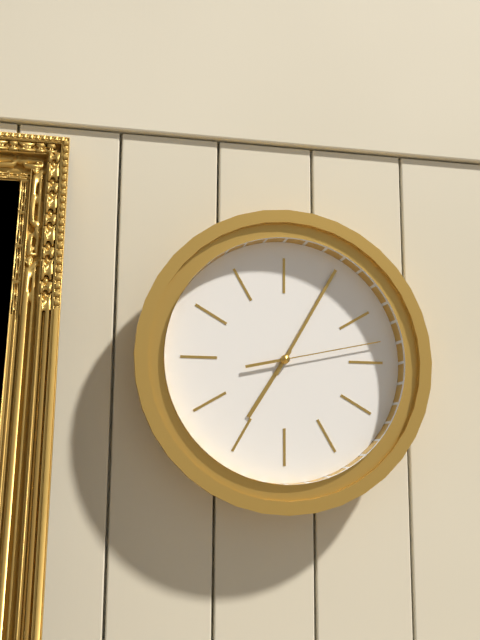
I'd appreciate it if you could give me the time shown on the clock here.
7:05:13
